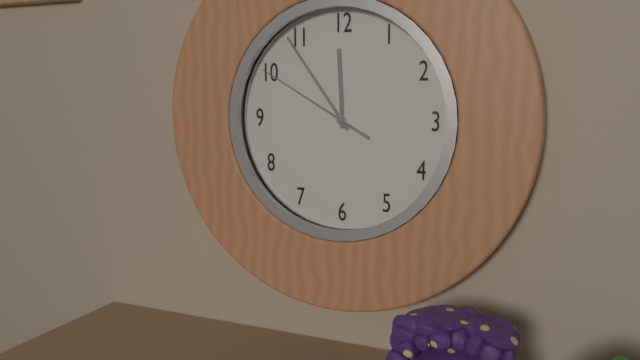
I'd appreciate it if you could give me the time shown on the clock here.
11:54:50
